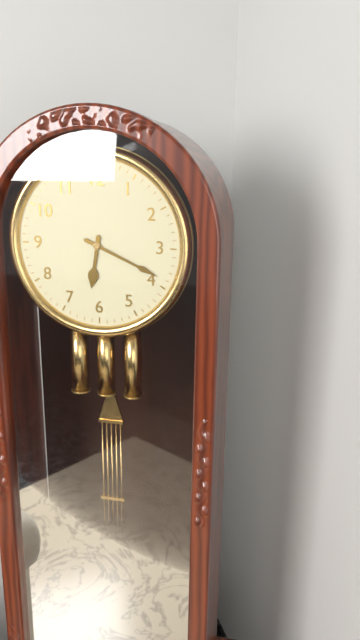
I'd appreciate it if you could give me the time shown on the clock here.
6:19
